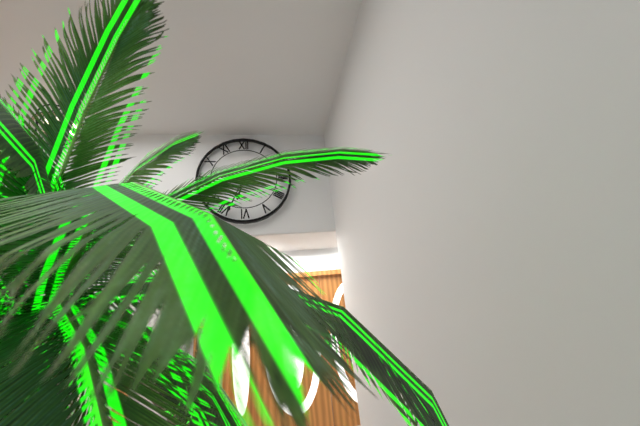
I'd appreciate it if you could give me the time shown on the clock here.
6:34
